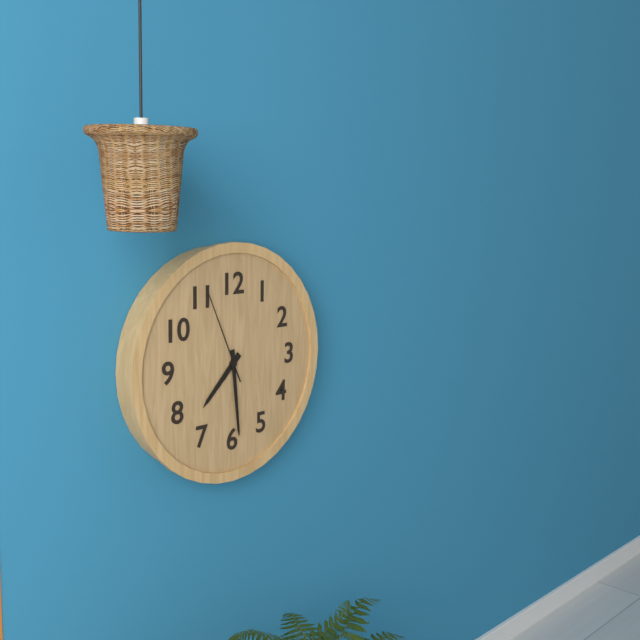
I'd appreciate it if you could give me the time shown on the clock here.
7:29:56
